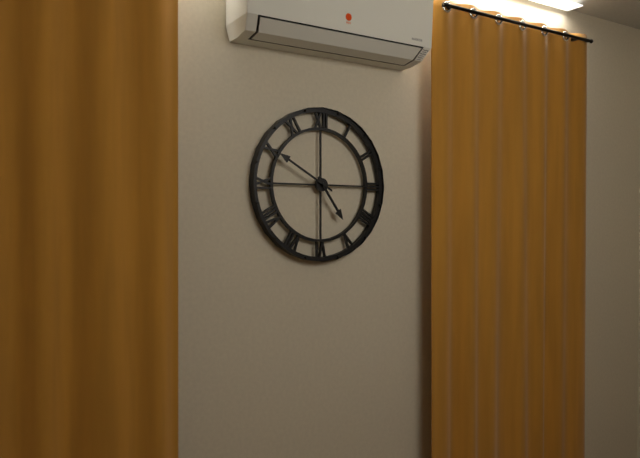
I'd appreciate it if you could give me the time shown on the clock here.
4:50
